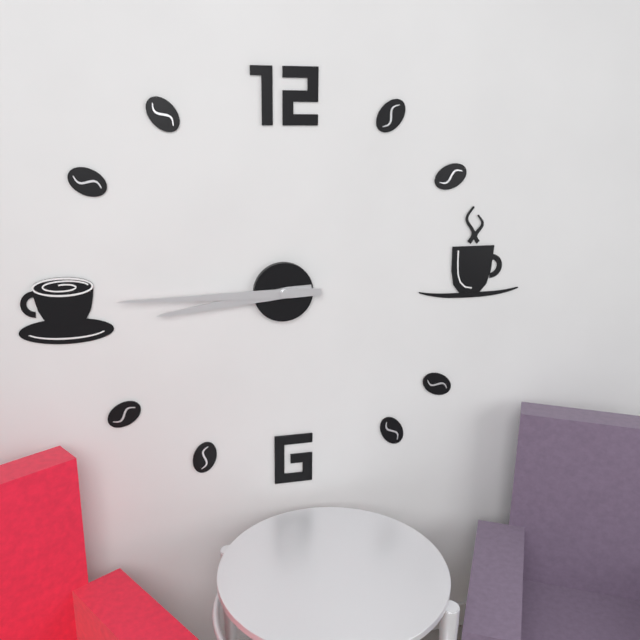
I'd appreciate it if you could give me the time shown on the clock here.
8:45
